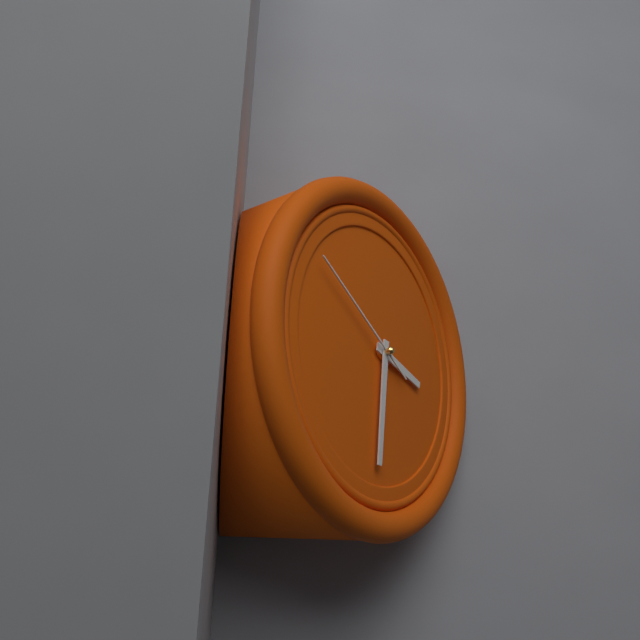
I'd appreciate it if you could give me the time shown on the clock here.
3:31:50
